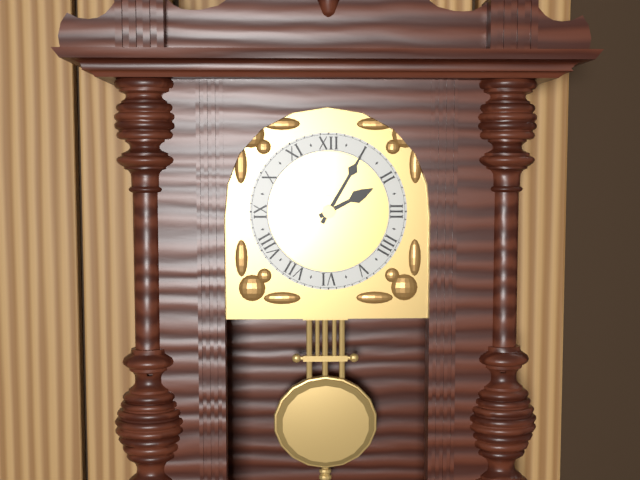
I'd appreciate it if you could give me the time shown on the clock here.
2:05
